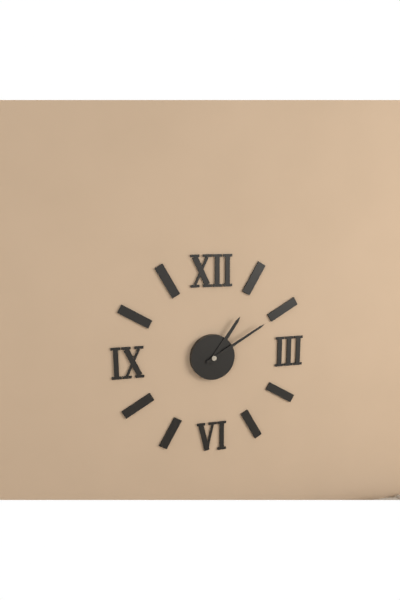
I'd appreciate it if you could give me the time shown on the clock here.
1:10
